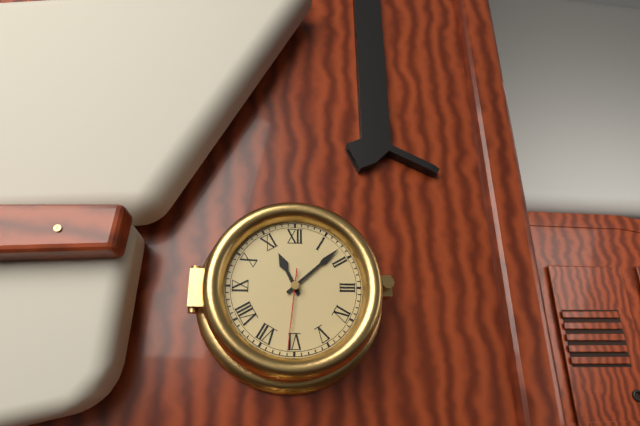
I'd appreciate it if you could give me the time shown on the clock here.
11:08:31
